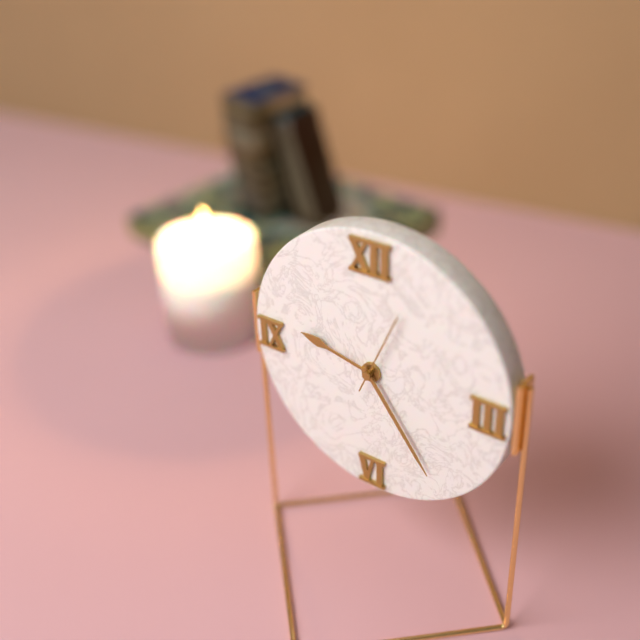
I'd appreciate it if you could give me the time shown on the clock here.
9:24:04
